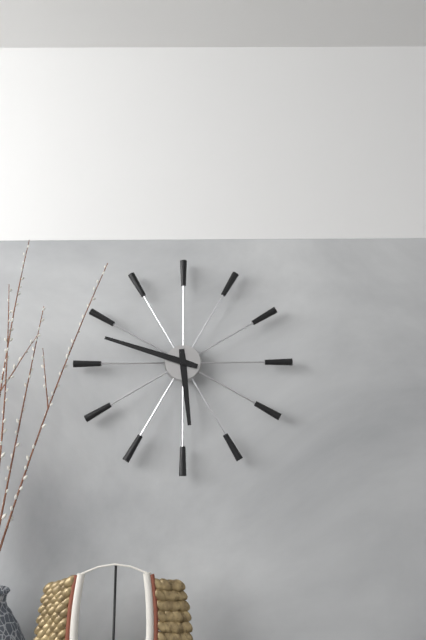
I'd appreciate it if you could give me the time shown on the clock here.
5:48
